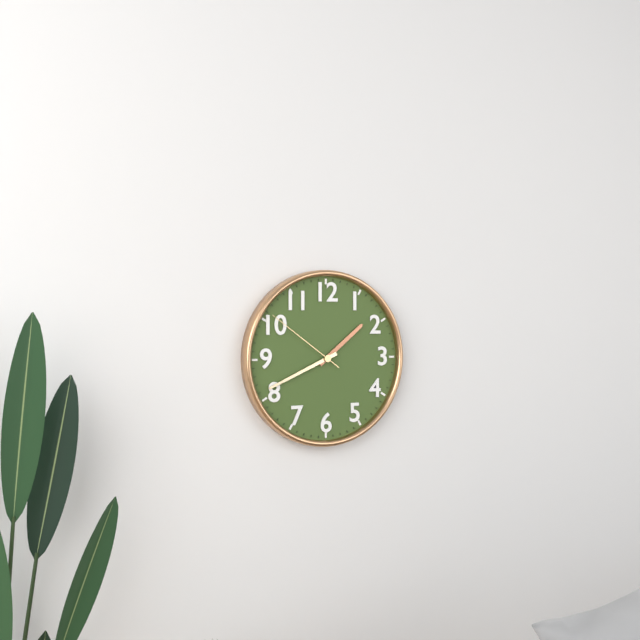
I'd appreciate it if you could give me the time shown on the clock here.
1:41:51
